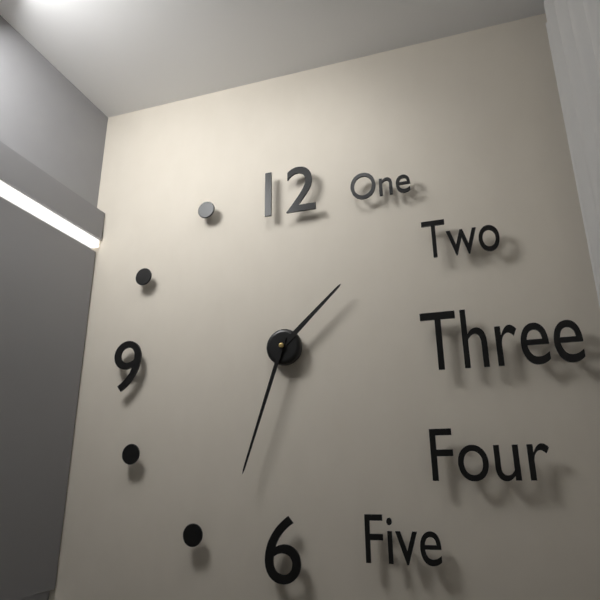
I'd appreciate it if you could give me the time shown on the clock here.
1:33
